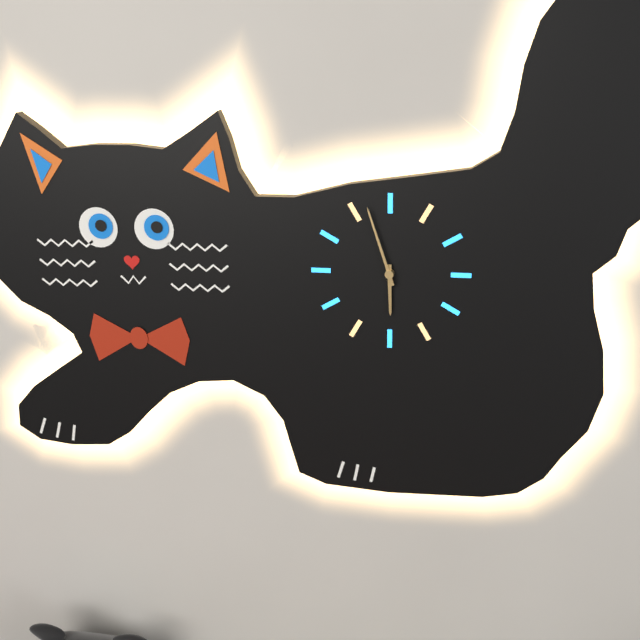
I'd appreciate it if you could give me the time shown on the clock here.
5:57
